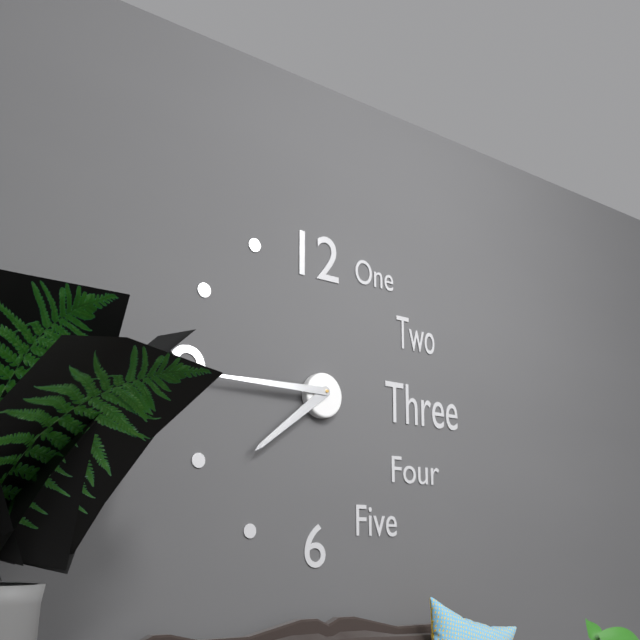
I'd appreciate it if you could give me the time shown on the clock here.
7:45
